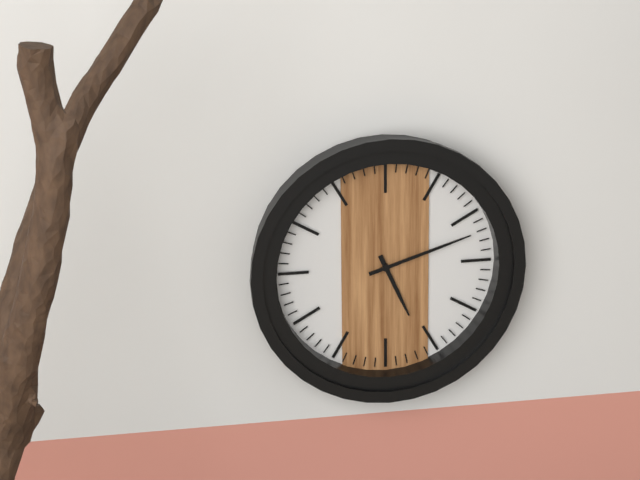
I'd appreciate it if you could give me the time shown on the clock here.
5:12
